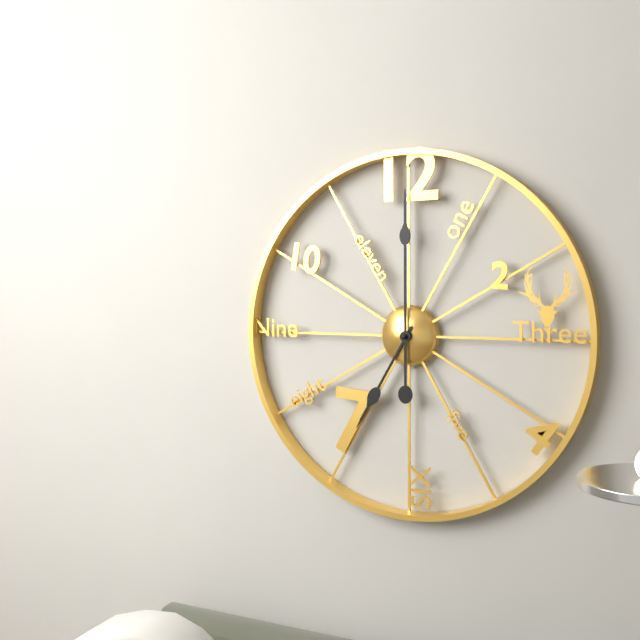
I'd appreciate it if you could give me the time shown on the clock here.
7:00
